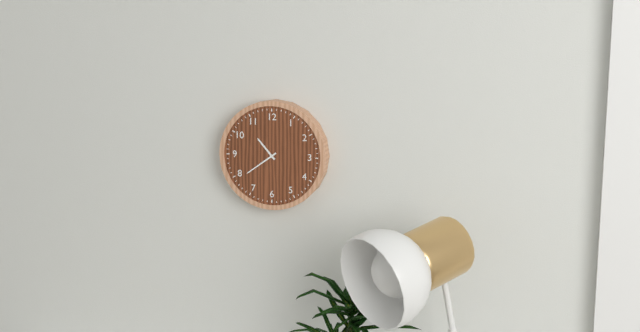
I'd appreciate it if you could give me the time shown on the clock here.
10:39
